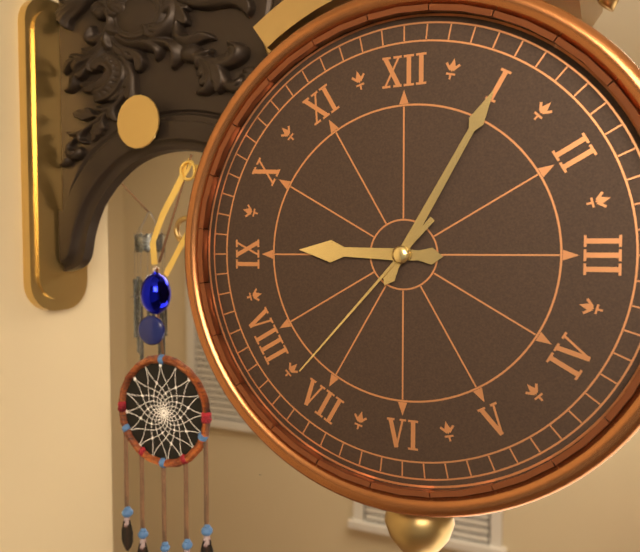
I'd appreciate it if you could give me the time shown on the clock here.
9:05:37
